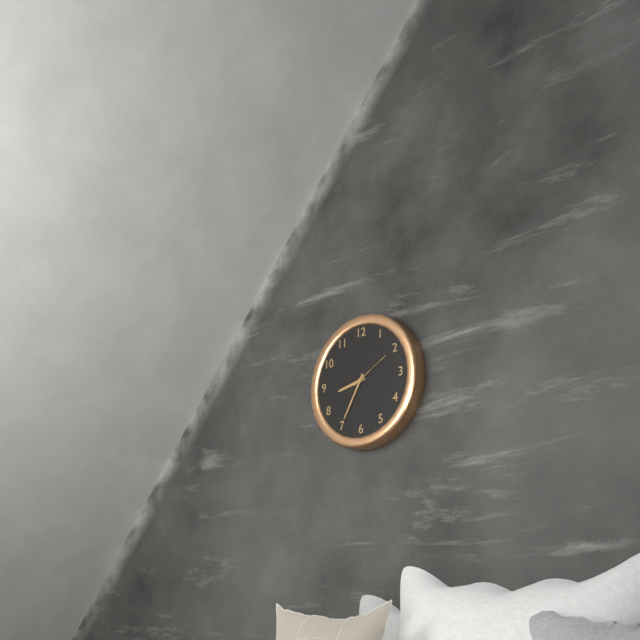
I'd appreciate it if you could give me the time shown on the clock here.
8:35
